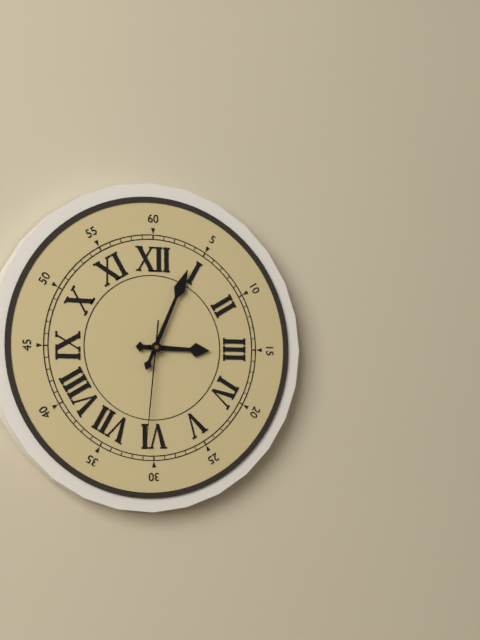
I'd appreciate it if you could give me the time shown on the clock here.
3:04:31
